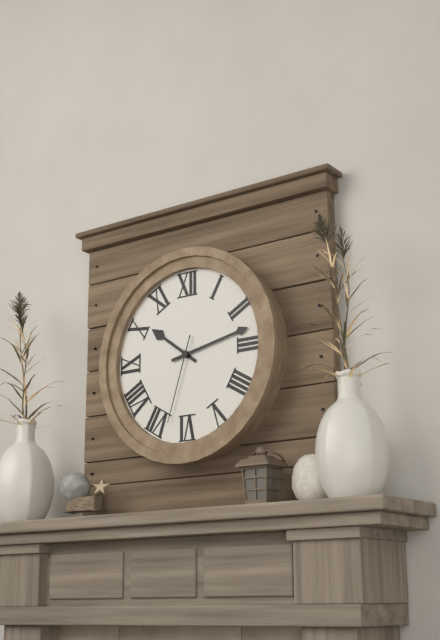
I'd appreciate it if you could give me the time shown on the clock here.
10:13:33
